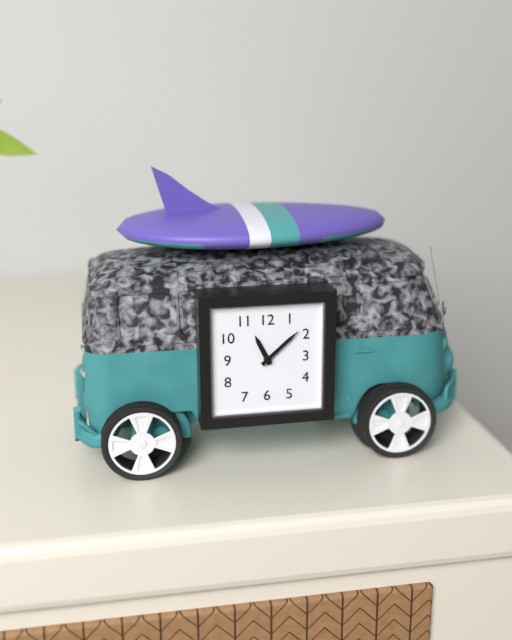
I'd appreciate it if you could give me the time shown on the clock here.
11:08
